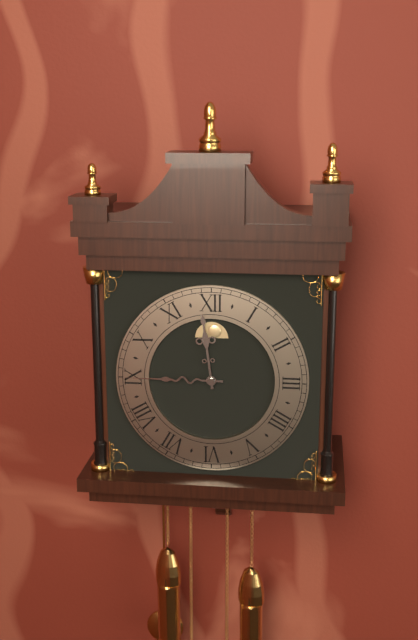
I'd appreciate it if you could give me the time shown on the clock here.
11:45
